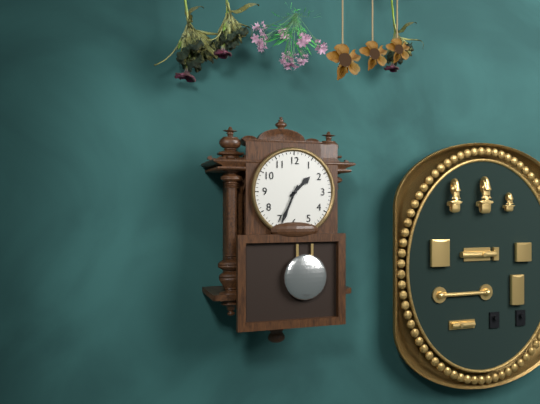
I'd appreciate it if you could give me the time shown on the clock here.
1:34
